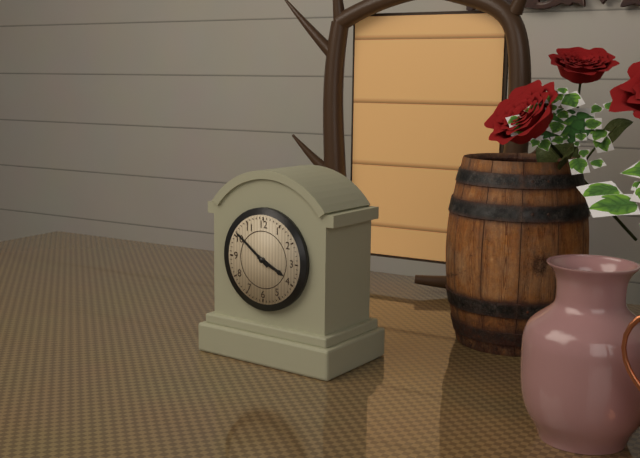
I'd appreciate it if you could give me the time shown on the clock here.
3:51
